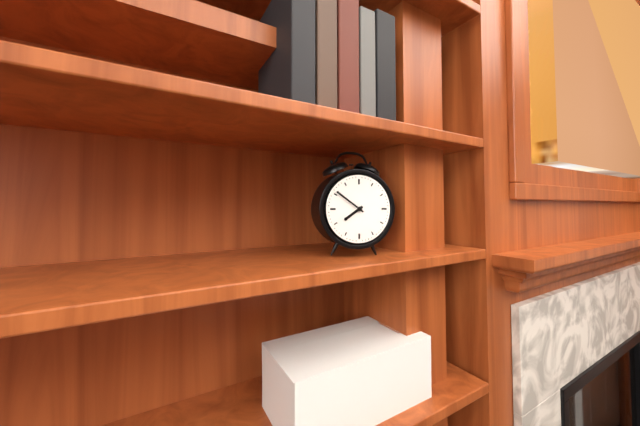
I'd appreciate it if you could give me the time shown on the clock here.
7:51
